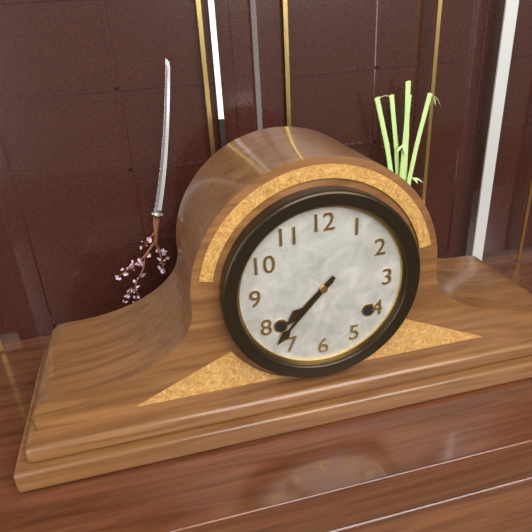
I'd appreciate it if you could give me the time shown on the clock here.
7:37
